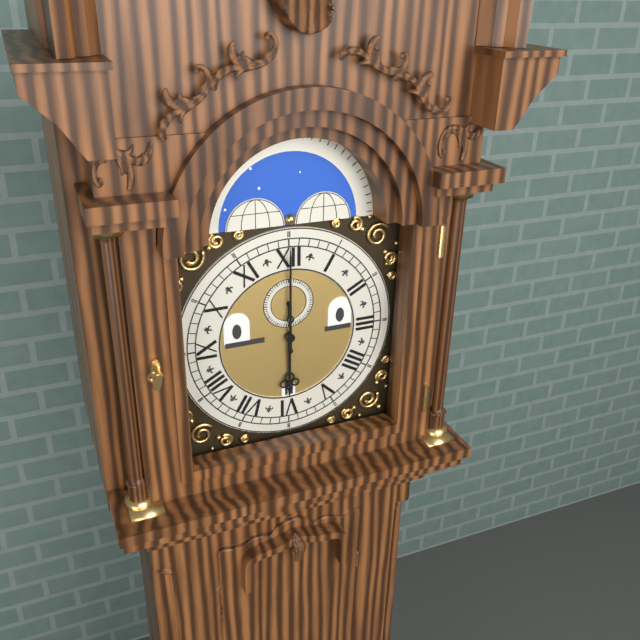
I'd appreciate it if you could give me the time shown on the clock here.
6:00
